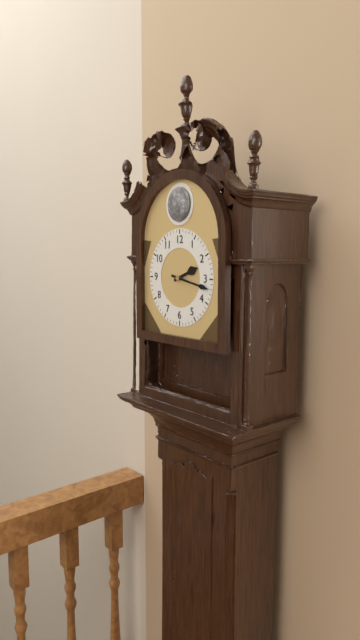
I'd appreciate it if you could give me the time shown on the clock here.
2:17
